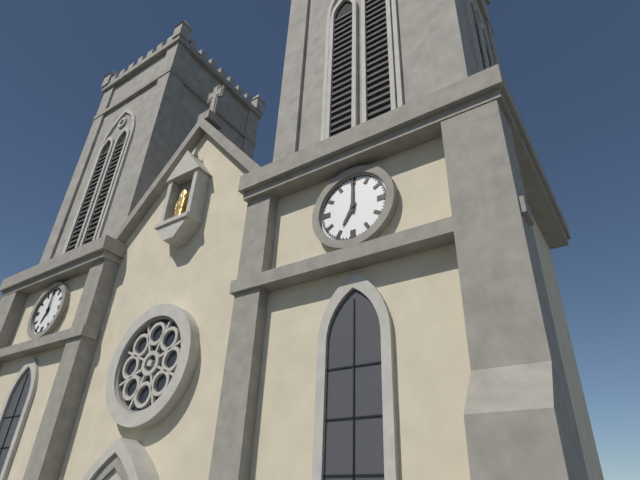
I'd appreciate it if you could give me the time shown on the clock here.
7:00
